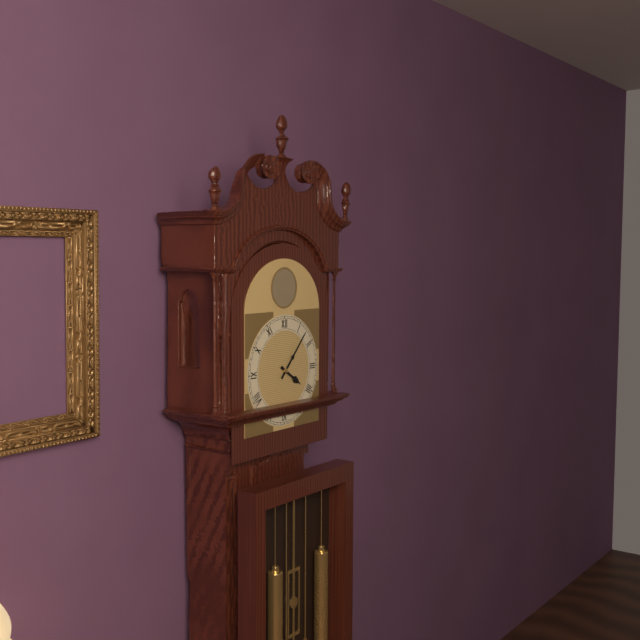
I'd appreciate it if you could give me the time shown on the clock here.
4:07
